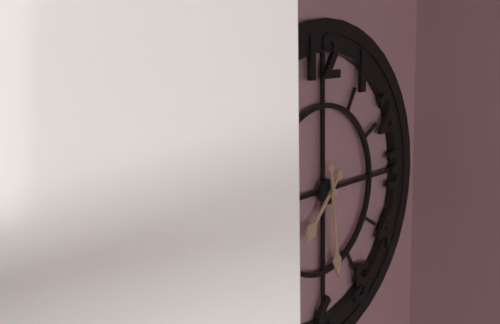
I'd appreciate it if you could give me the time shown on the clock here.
7:29
